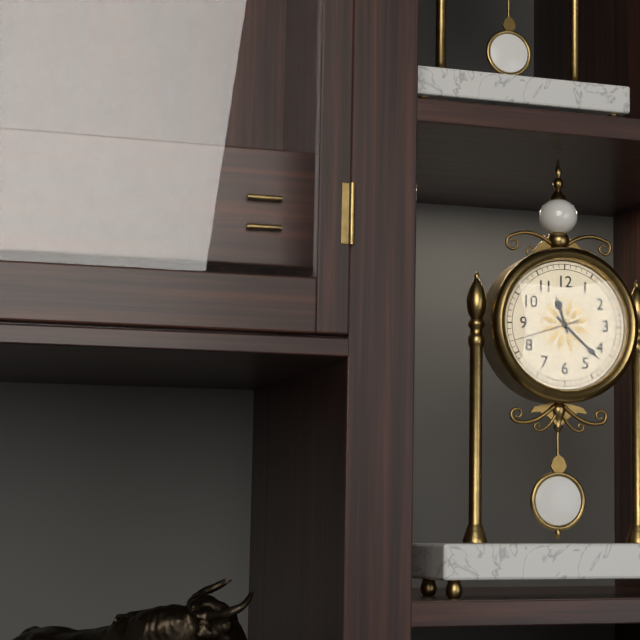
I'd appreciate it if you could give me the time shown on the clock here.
11:22:42
